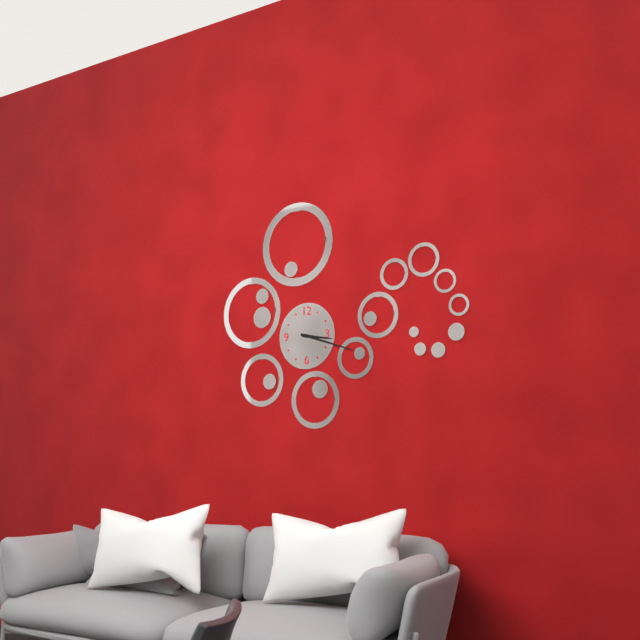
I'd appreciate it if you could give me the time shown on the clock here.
3:18
